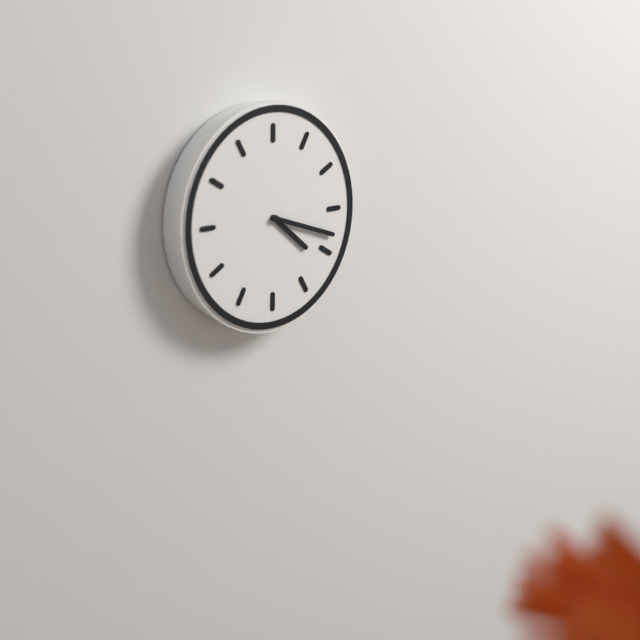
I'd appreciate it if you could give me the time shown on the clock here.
4:18
